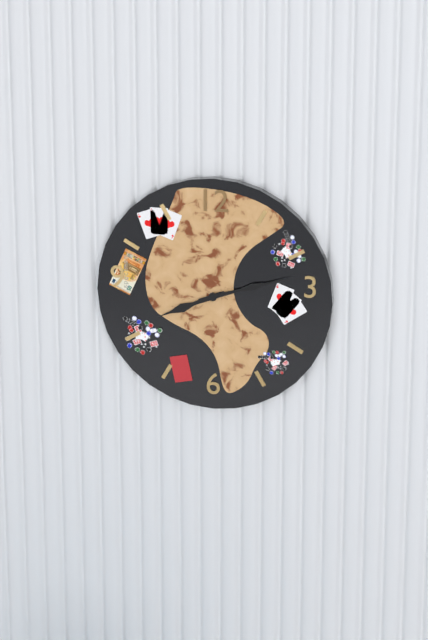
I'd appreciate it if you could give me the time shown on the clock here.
8:12
